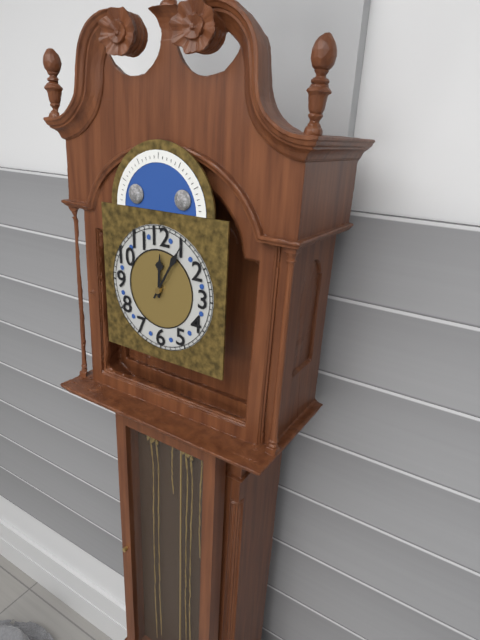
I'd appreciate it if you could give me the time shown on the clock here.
12:05
